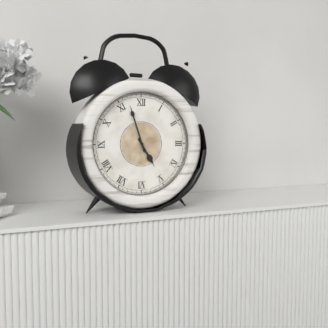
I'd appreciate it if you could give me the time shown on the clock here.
4:57
